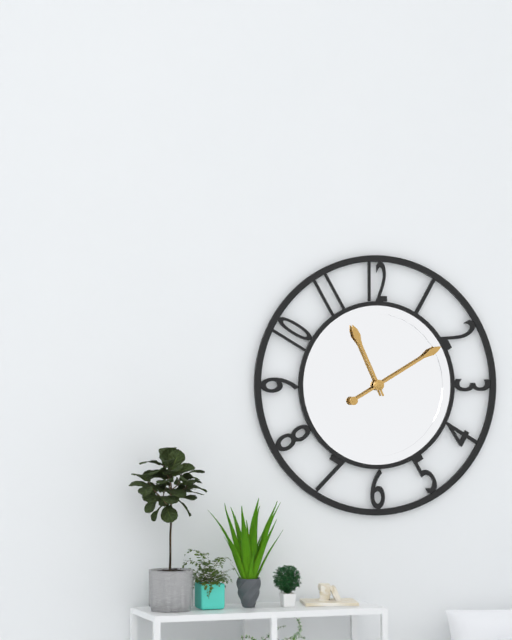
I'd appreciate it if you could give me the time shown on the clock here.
11:10
